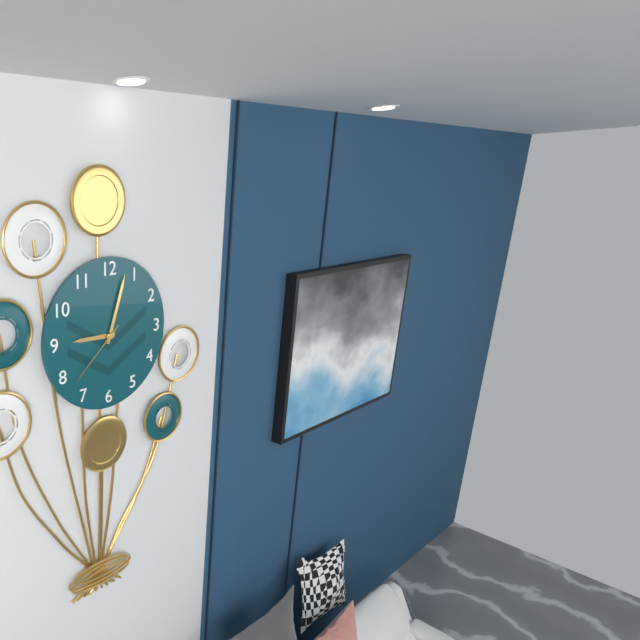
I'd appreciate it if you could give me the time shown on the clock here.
9:03:38
